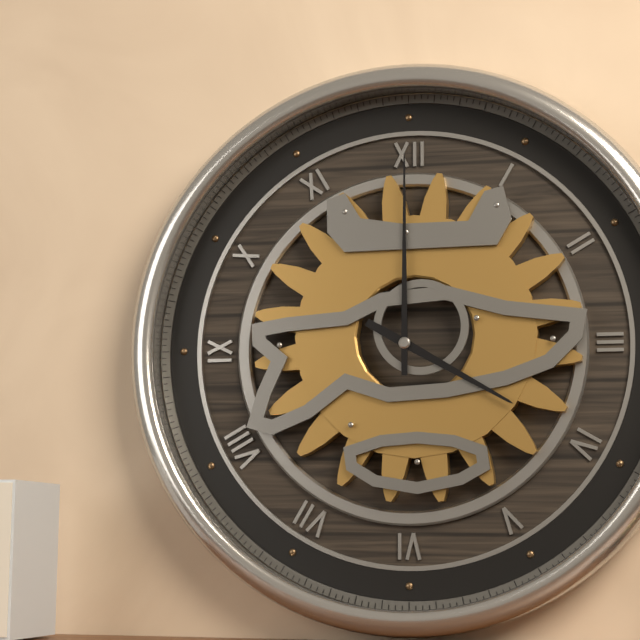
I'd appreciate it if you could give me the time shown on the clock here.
4:00
